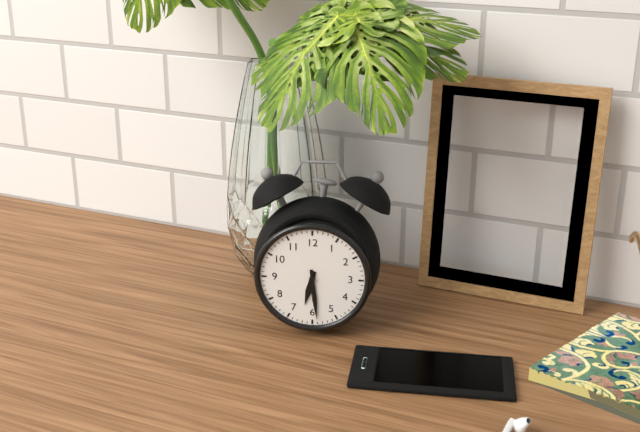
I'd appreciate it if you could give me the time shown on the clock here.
6:29
